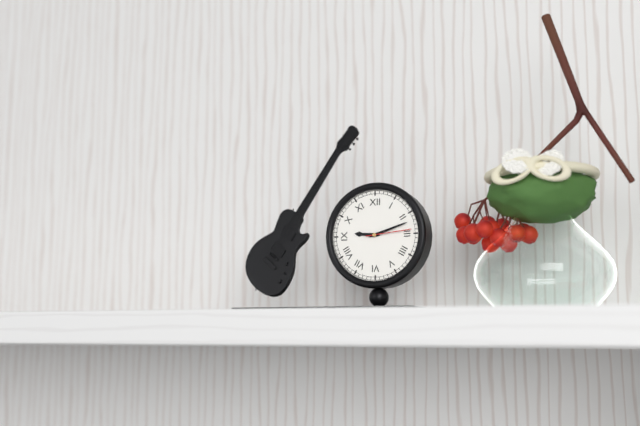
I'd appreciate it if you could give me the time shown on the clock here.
9:12
